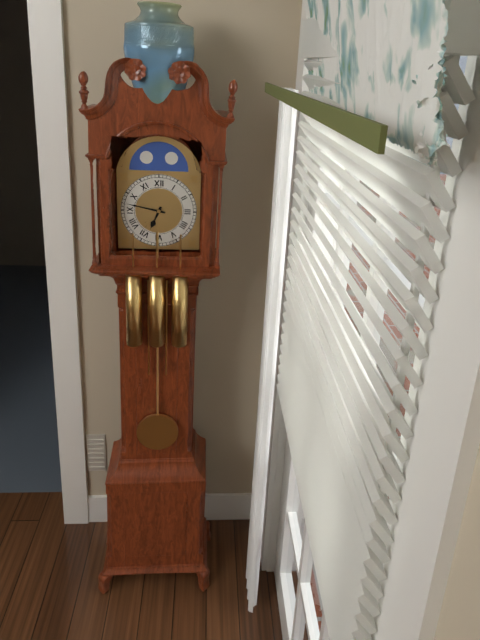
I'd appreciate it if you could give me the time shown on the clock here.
6:47
